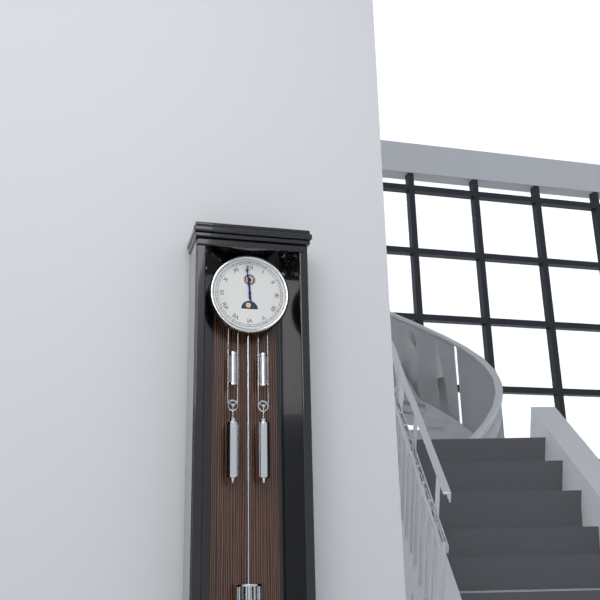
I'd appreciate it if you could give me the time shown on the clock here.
11:59
